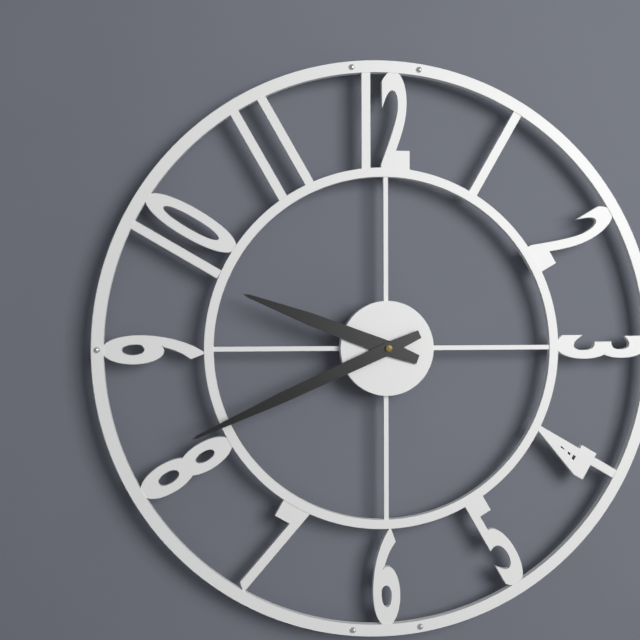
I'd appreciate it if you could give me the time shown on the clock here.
9:41
